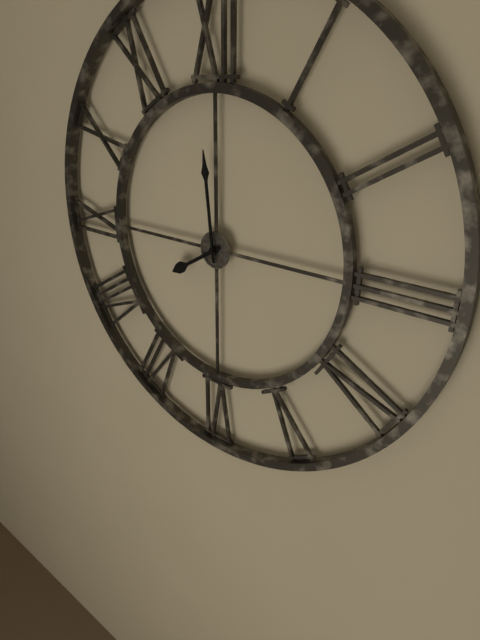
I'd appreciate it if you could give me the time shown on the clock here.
7:59
